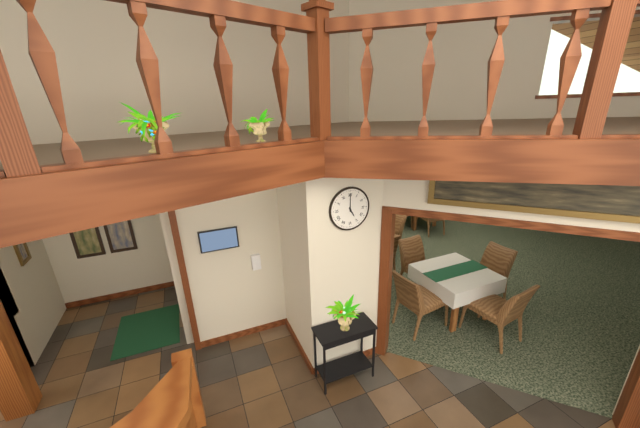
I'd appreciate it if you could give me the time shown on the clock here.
5:00
